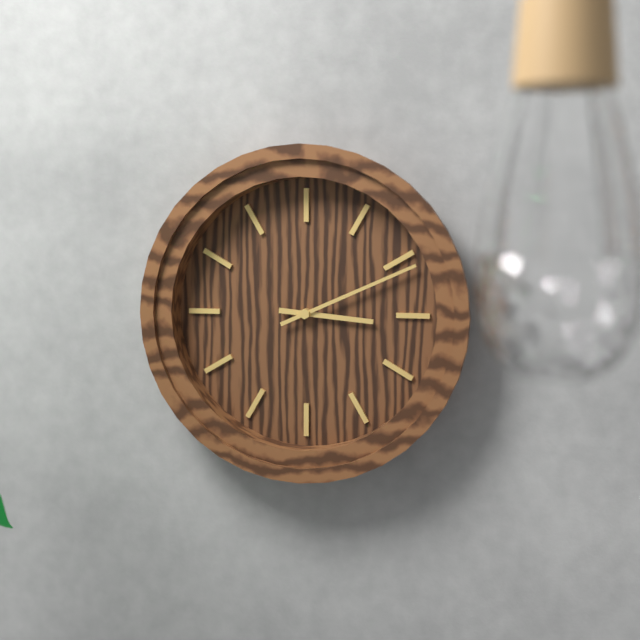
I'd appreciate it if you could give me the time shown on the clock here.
3:11
